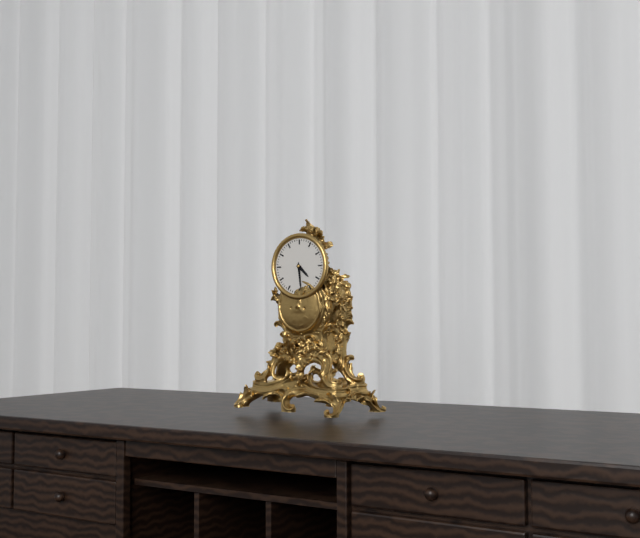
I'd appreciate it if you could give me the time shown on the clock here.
4:29
